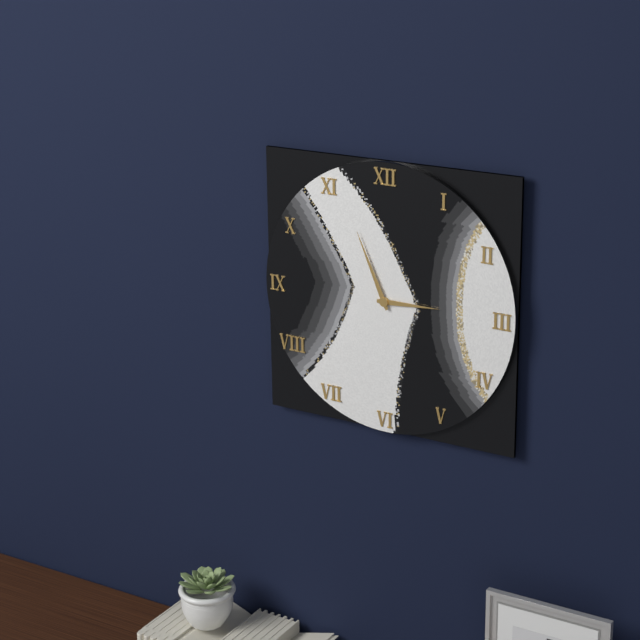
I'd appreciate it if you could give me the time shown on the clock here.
2:56
